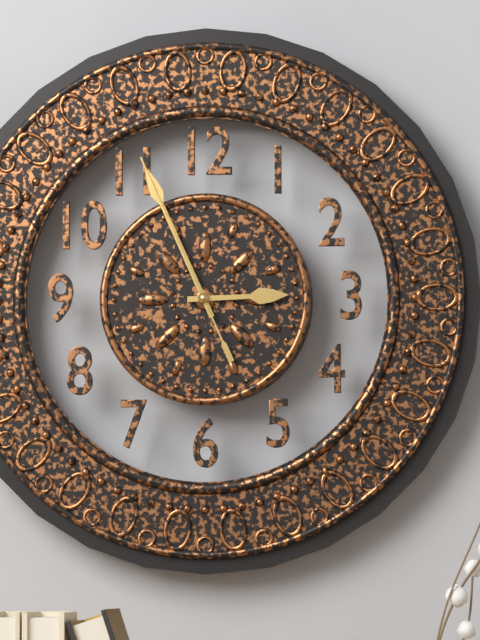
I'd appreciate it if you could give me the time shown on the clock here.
2:56:56
